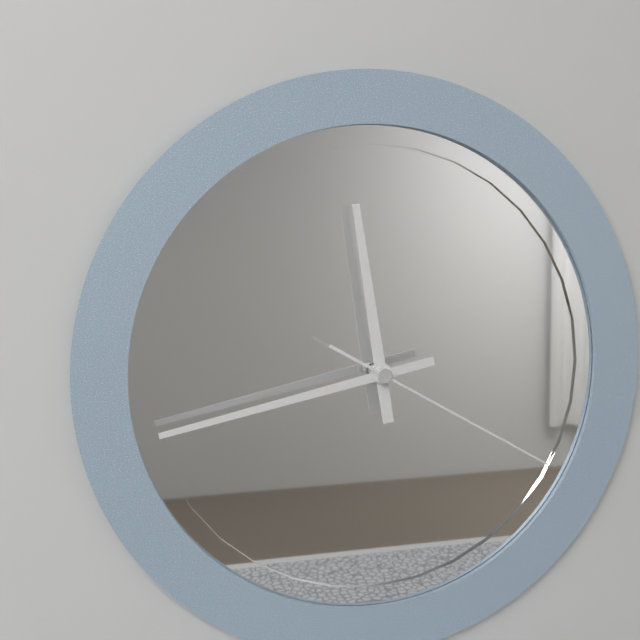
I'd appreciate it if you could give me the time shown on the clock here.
11:43:20
